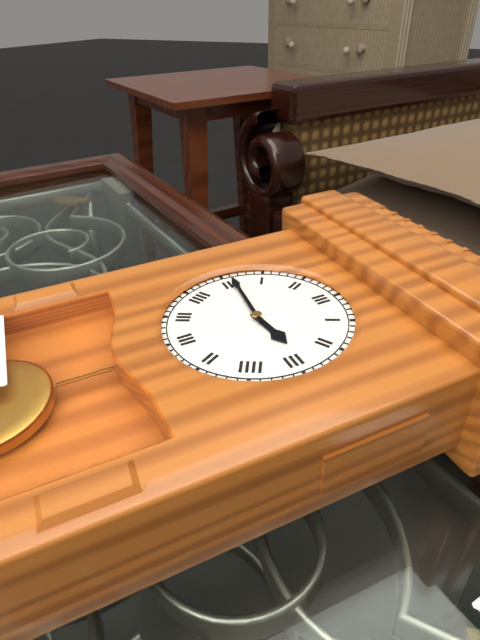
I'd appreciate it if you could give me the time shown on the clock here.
2:46
